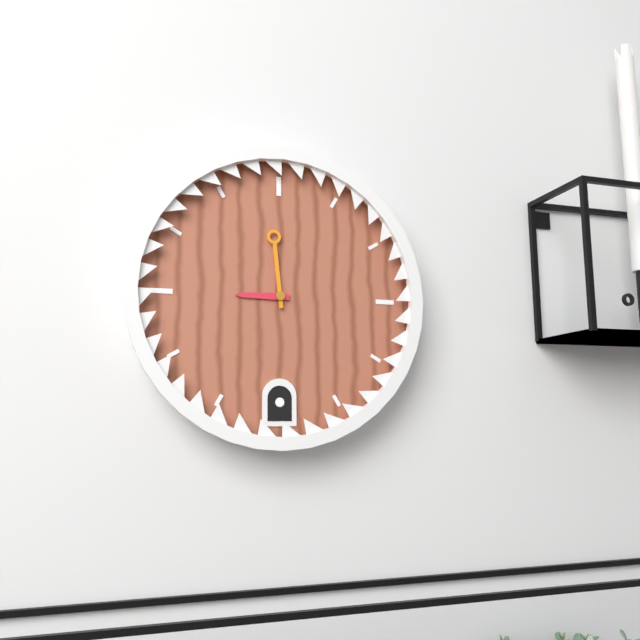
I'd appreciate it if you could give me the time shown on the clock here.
8:59
